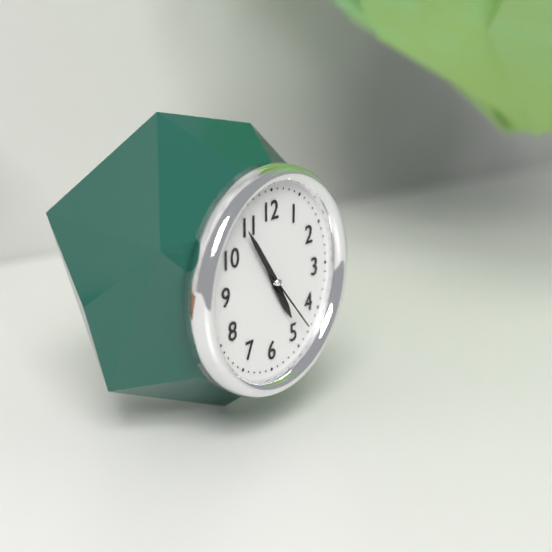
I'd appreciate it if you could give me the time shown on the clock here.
4:54:23
